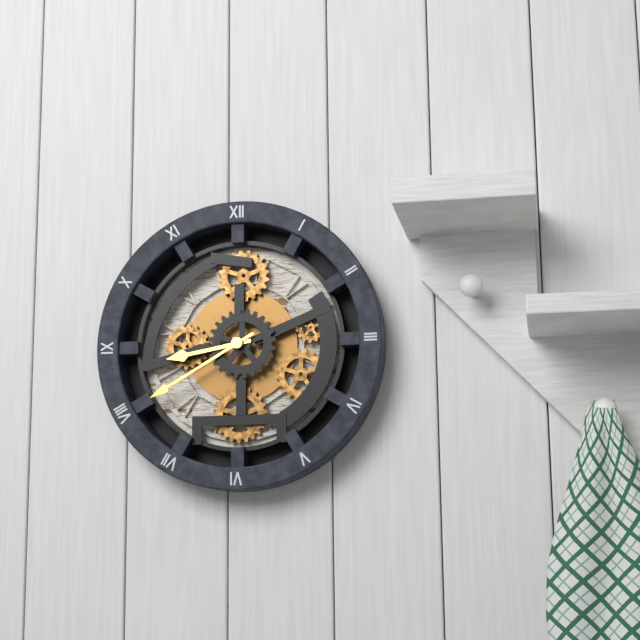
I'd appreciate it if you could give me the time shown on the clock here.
8:40
